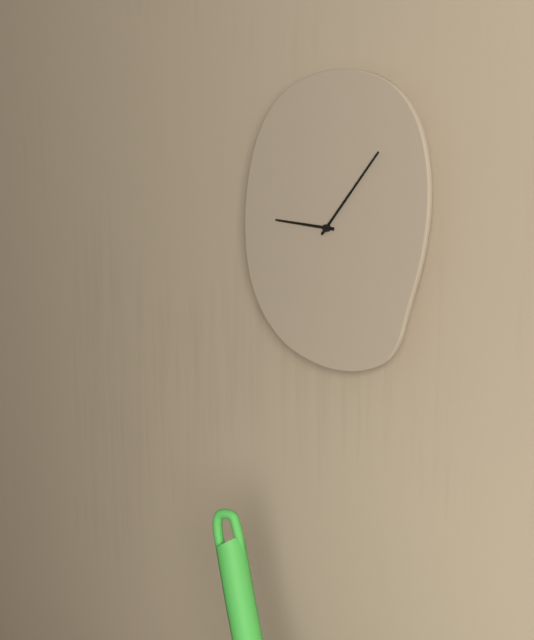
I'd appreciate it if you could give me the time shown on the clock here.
9:07
